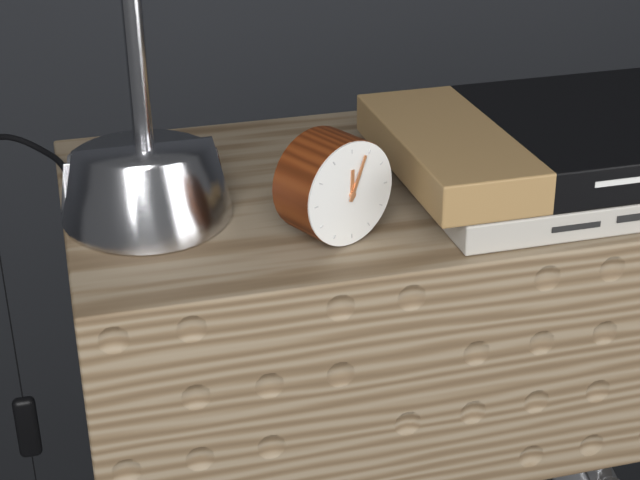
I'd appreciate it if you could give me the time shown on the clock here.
12:04
